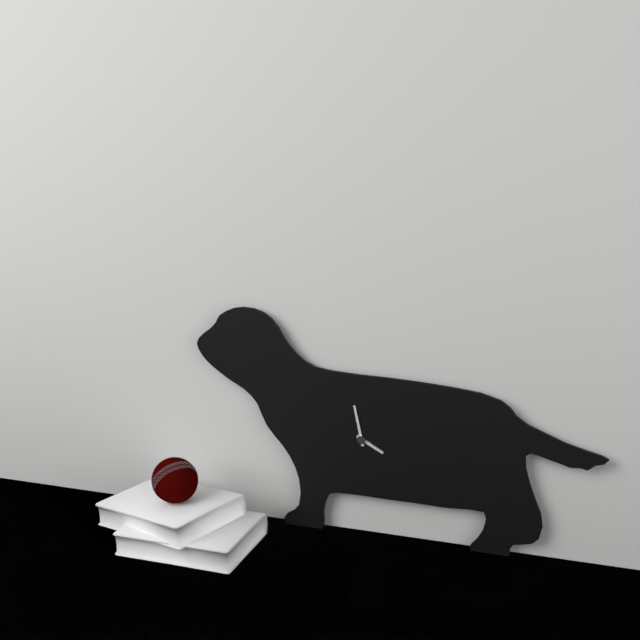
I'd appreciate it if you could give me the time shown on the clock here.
3:58
